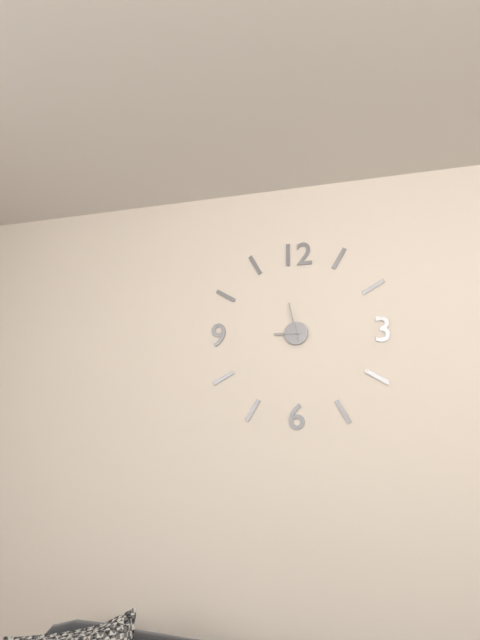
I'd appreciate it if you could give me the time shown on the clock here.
8:58
